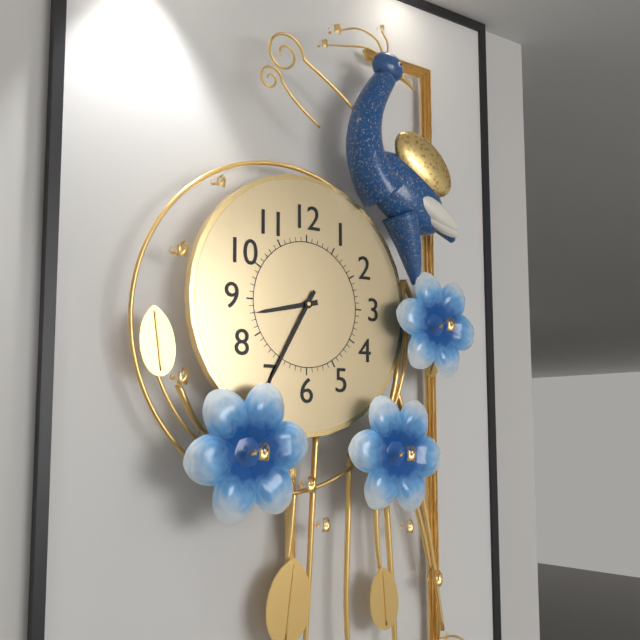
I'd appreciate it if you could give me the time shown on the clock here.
8:35
